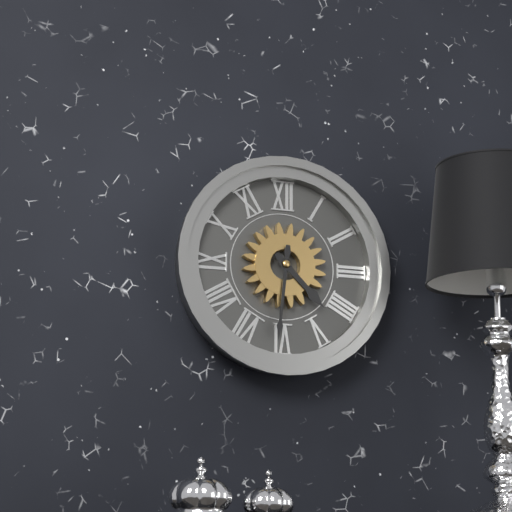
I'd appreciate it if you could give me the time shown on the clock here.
4:31
